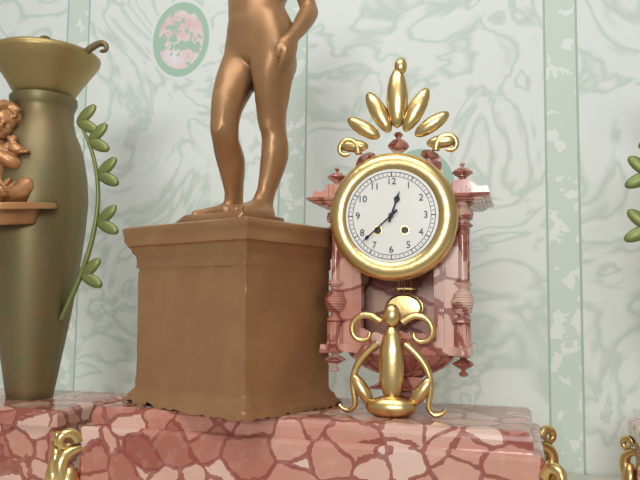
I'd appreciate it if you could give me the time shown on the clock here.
12:38
